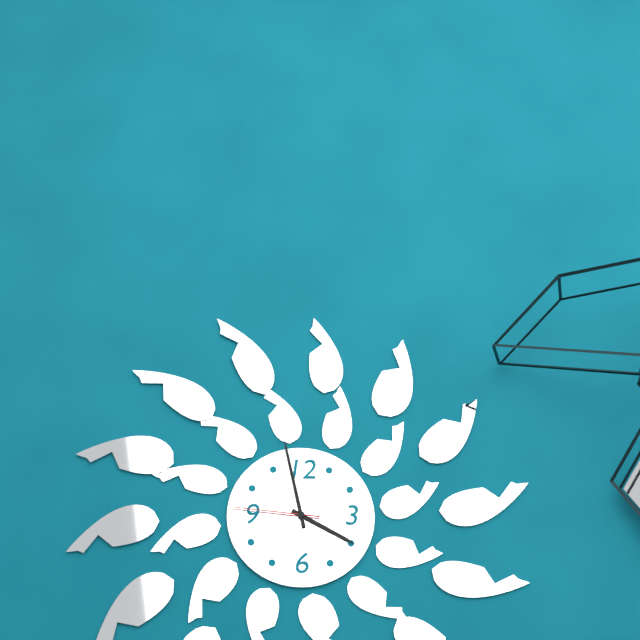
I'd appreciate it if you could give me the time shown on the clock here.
3:58:46
